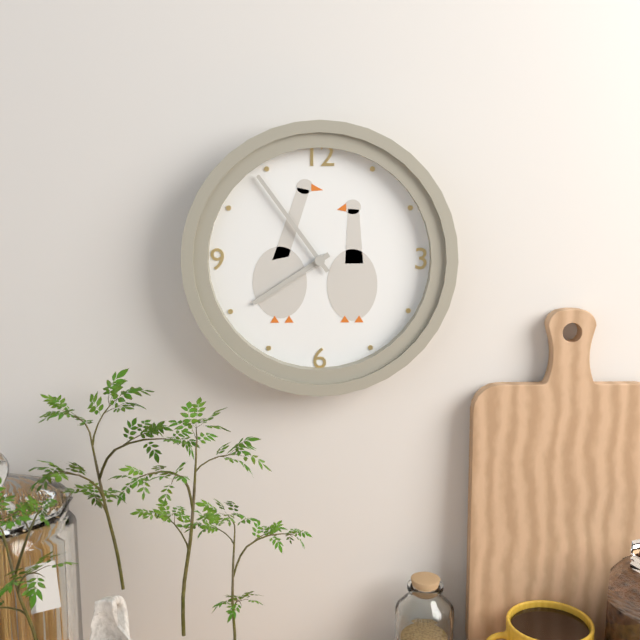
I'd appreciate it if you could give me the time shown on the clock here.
7:54
